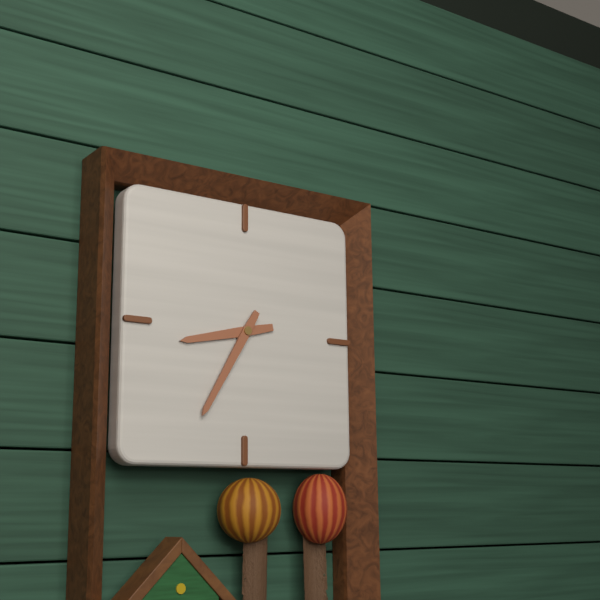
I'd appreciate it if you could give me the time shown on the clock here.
8:35
